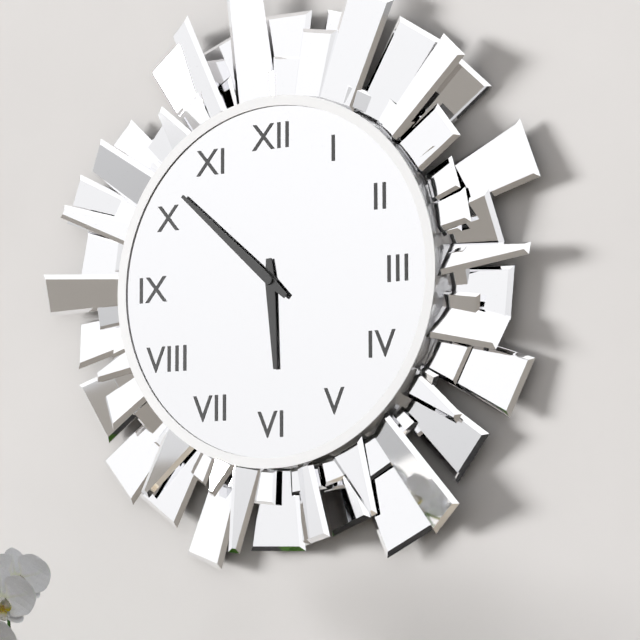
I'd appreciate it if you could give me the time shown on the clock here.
5:52
